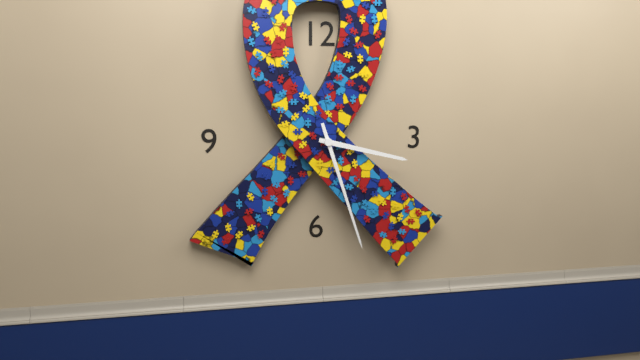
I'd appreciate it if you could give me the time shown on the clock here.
3:27
